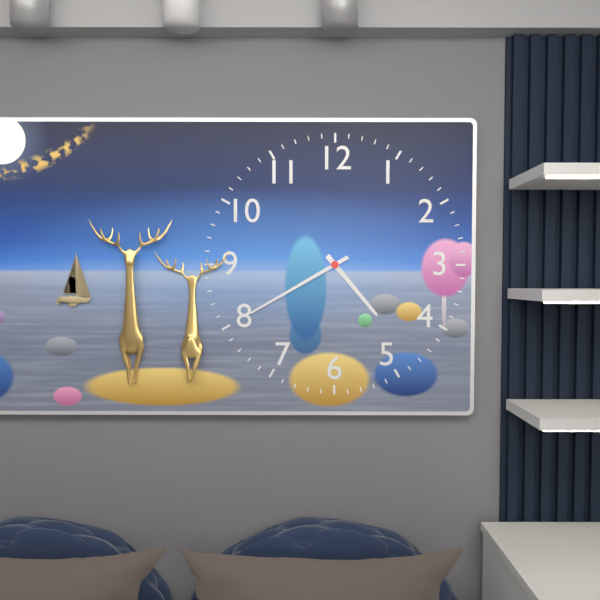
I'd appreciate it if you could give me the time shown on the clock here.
4:40
